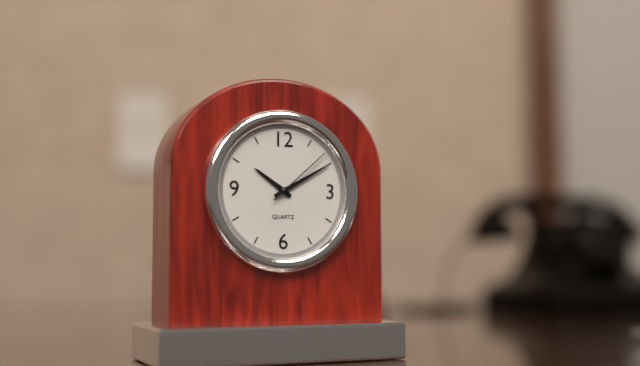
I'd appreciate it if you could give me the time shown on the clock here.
10:10:08
